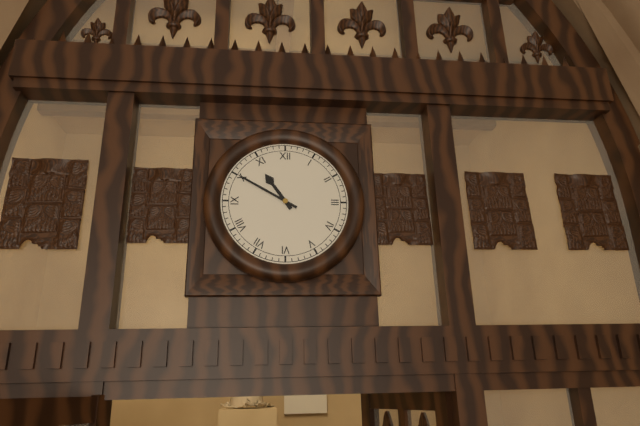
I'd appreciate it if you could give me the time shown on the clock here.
10:50
